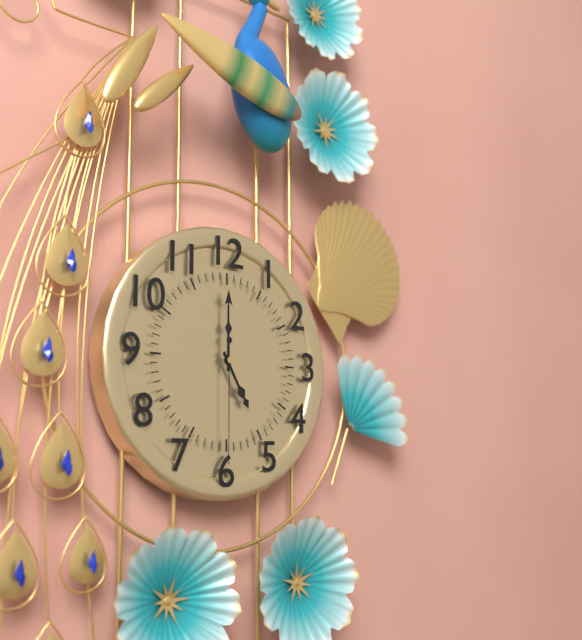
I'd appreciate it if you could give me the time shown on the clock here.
5:00:30
